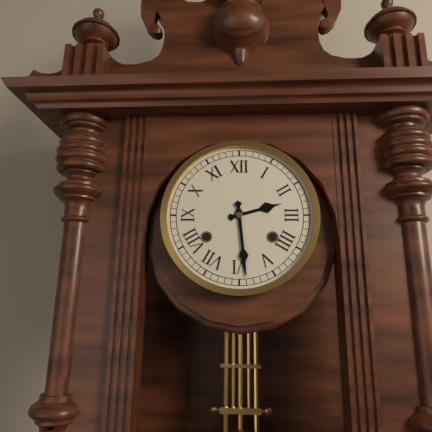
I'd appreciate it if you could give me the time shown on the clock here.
2:29
